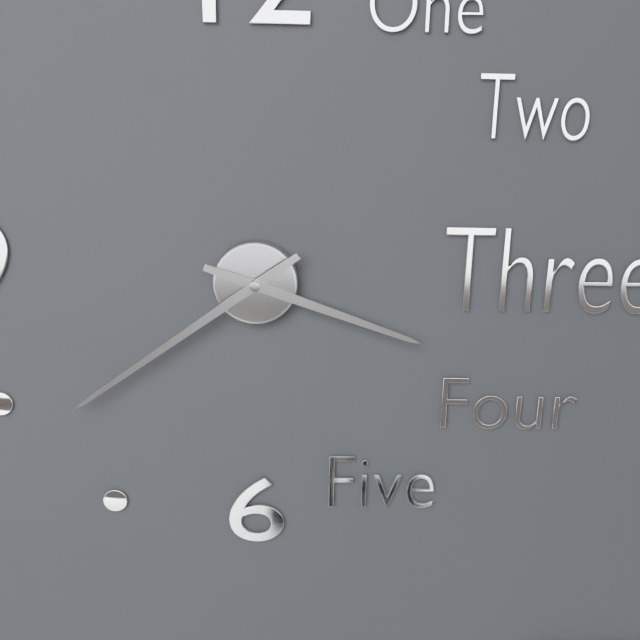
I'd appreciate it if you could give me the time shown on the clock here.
3:39
